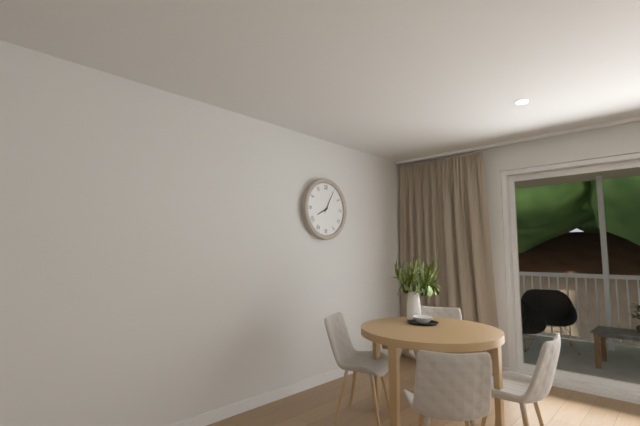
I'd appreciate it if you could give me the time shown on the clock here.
8:05
